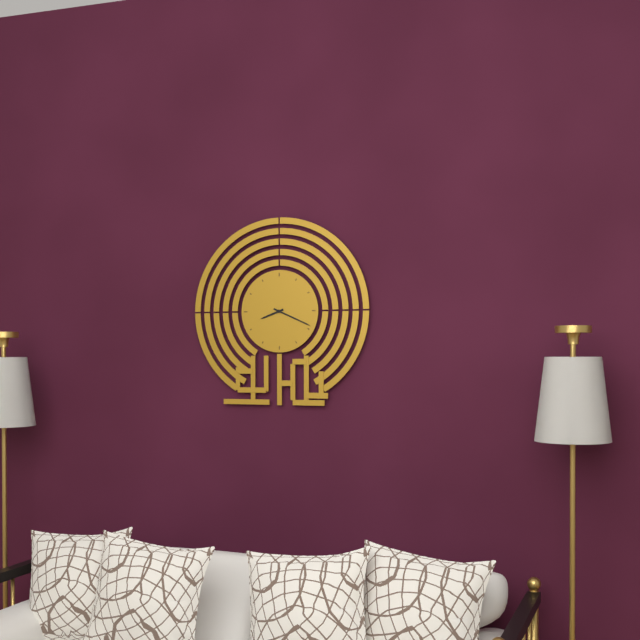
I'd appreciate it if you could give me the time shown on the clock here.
8:19
